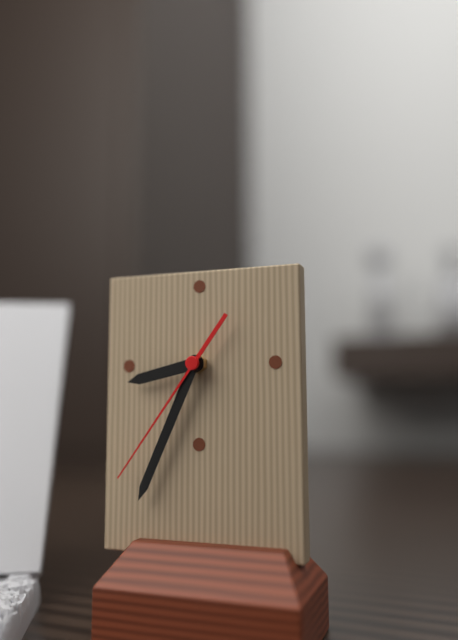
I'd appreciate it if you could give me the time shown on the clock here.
8:34:36
